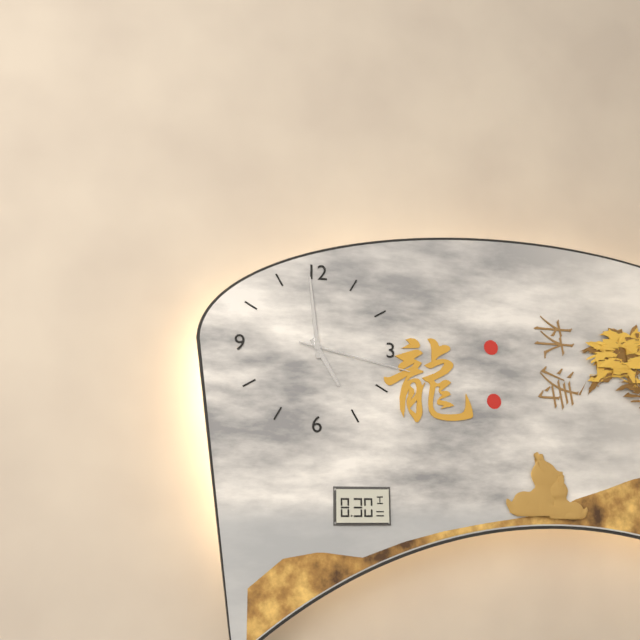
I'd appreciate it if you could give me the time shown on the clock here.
4:59:17
